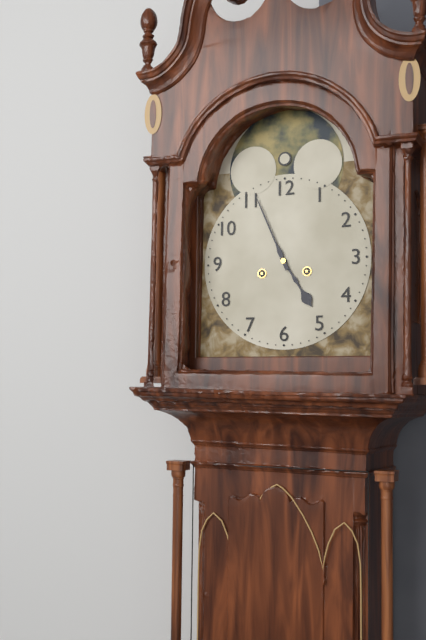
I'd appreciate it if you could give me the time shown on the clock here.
4:56
